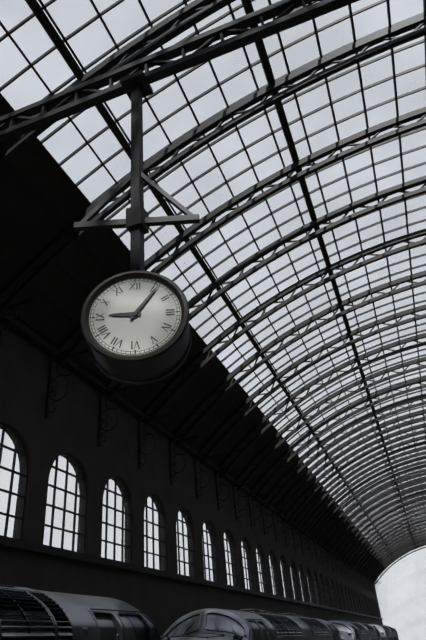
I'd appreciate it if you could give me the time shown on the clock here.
9:06
